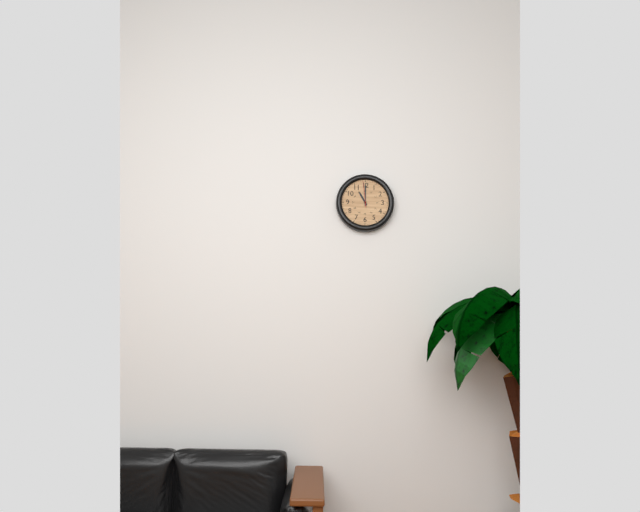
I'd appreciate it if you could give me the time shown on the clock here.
11:00
